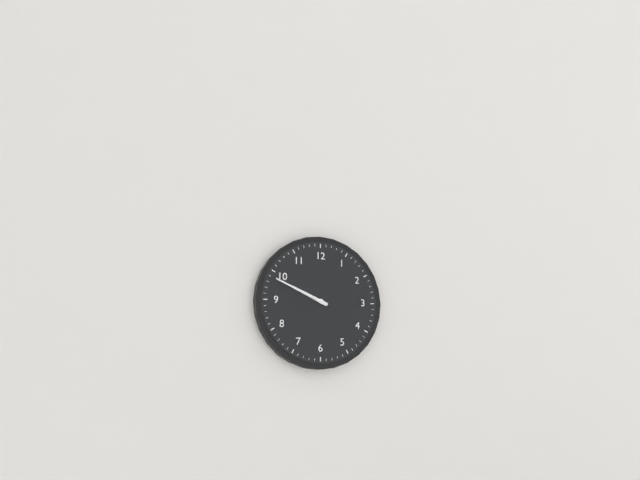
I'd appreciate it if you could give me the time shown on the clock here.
9:49
